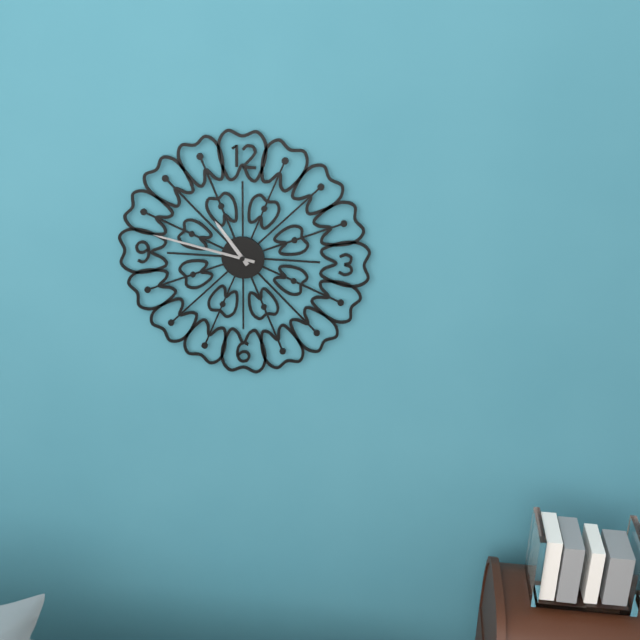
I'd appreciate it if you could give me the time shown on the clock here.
10:47
